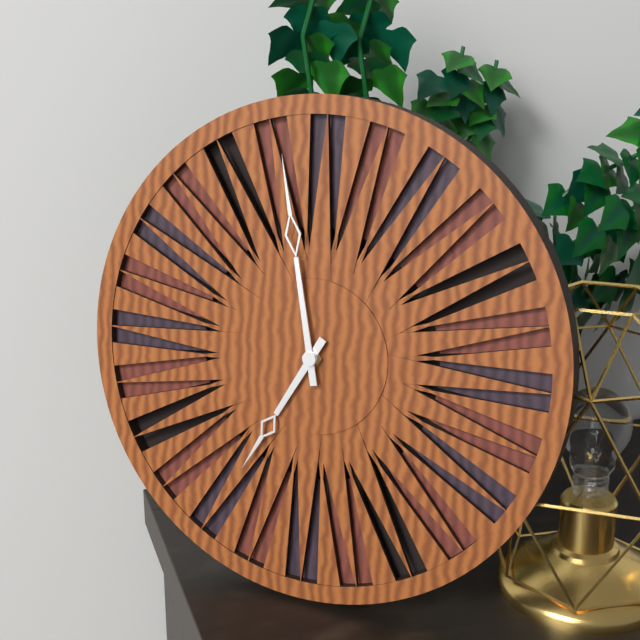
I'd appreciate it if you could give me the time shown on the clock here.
6:58
